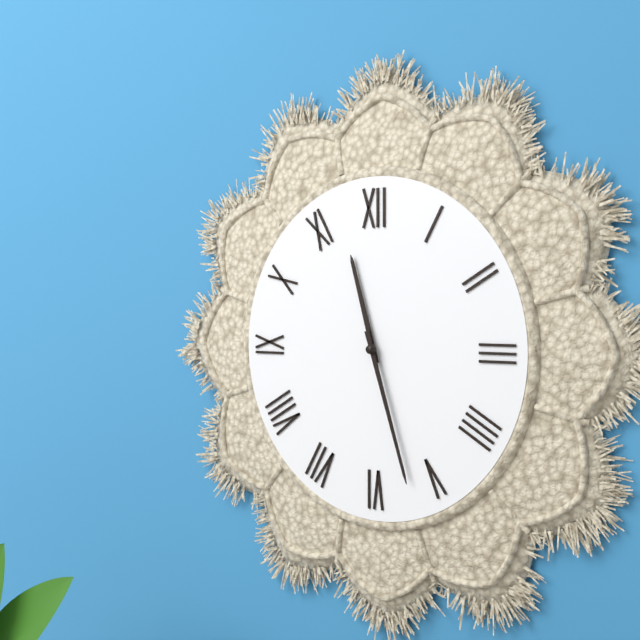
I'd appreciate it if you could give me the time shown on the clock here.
11:27
